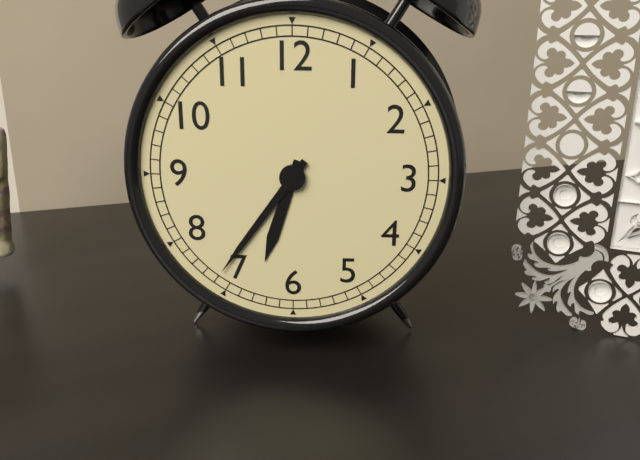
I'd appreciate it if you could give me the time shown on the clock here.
6:36
